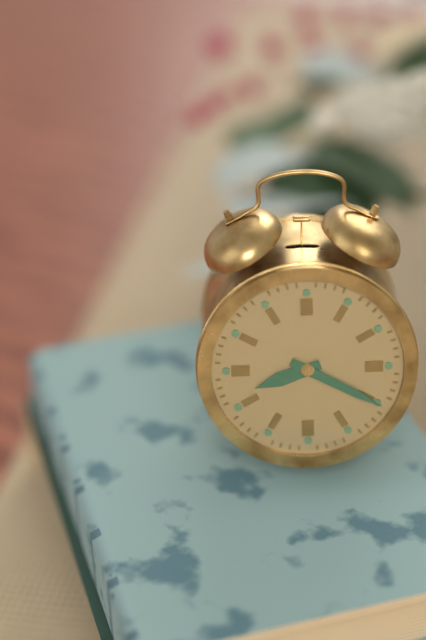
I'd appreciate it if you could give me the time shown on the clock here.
8:20
